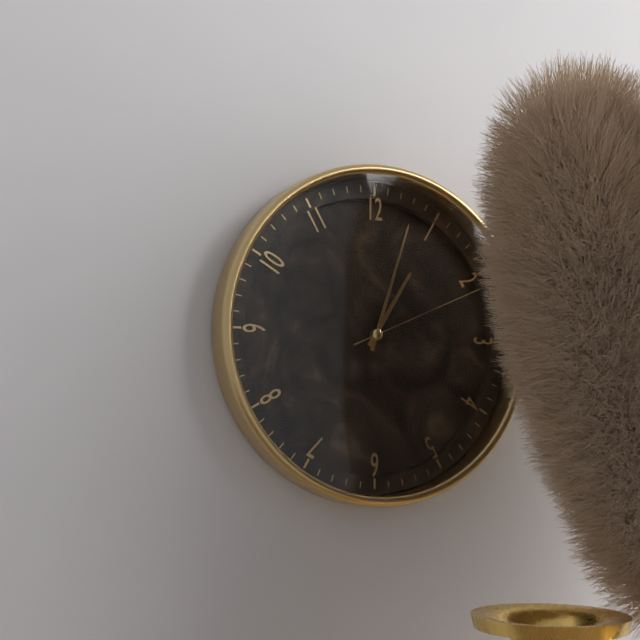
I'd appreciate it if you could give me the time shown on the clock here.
1:03:11
